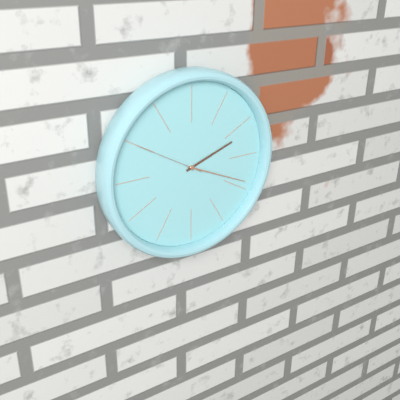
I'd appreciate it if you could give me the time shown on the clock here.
2:19:50
